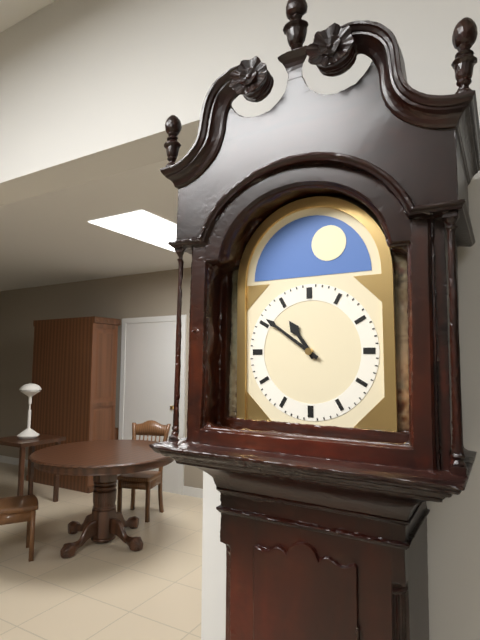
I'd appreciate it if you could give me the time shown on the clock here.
10:51
